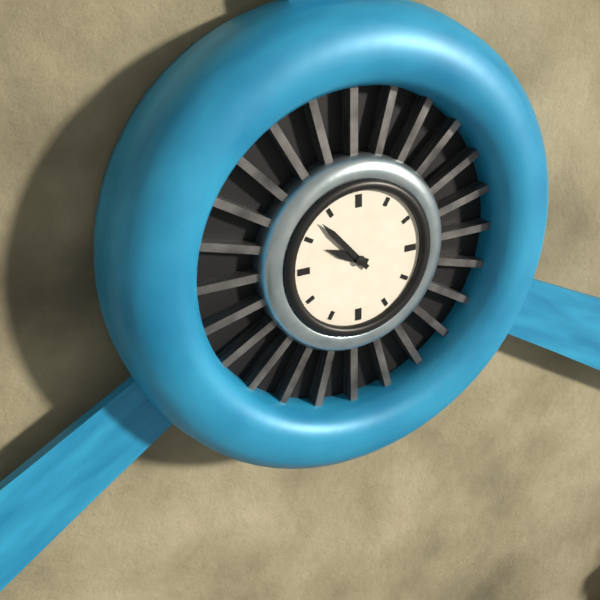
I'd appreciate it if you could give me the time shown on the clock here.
9:53
